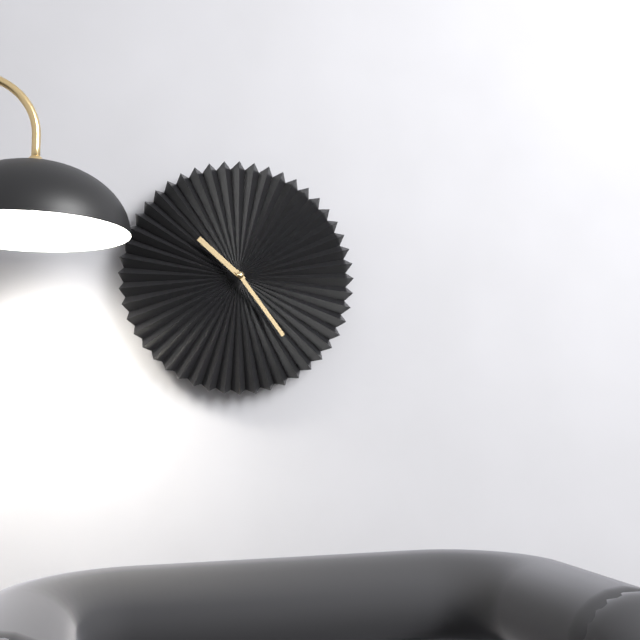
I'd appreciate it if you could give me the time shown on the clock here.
10:24
